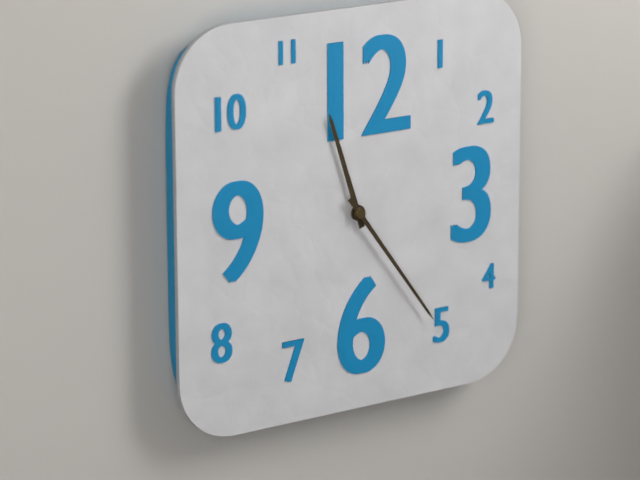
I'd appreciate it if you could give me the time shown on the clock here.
11:24
